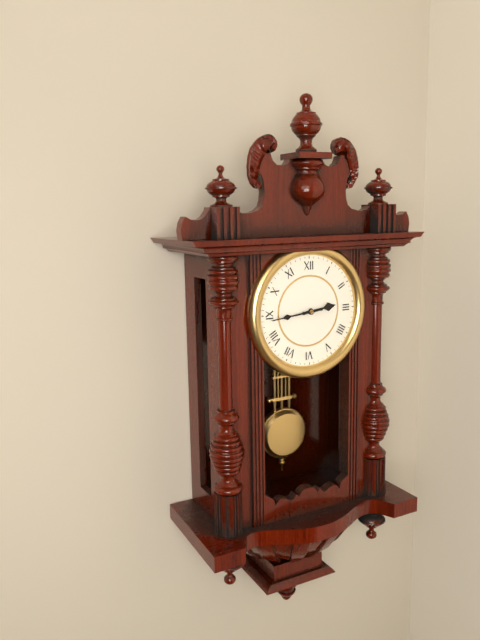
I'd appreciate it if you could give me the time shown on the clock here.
2:44
